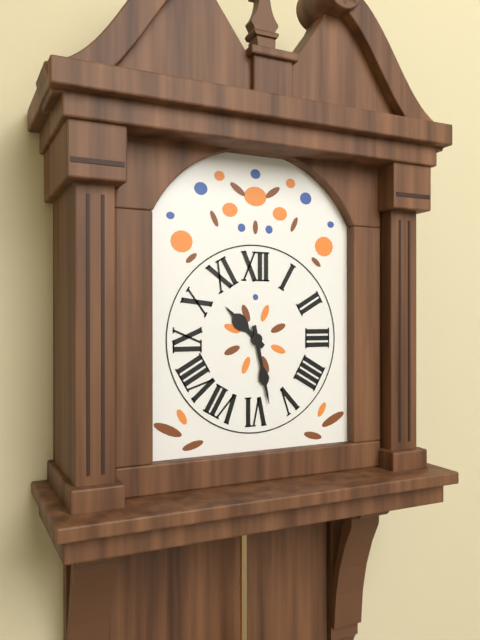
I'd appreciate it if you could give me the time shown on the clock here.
10:28
